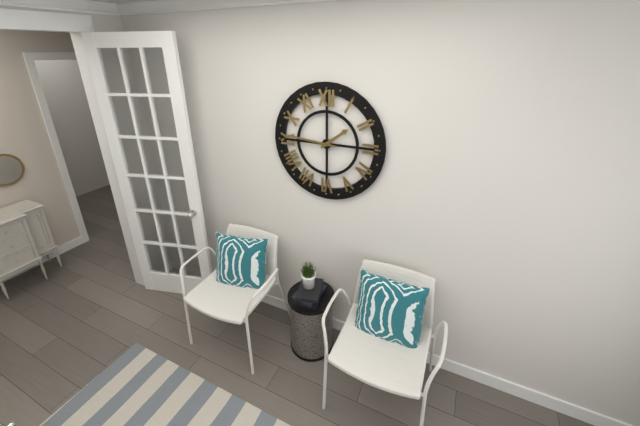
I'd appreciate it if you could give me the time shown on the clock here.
1:46
